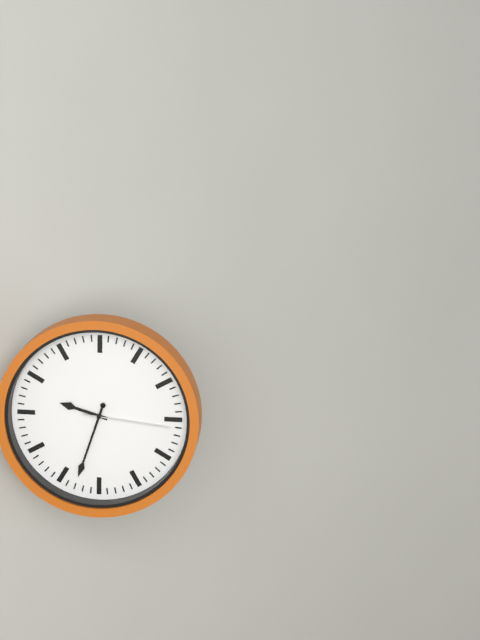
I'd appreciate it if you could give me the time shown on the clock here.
9:33:16
